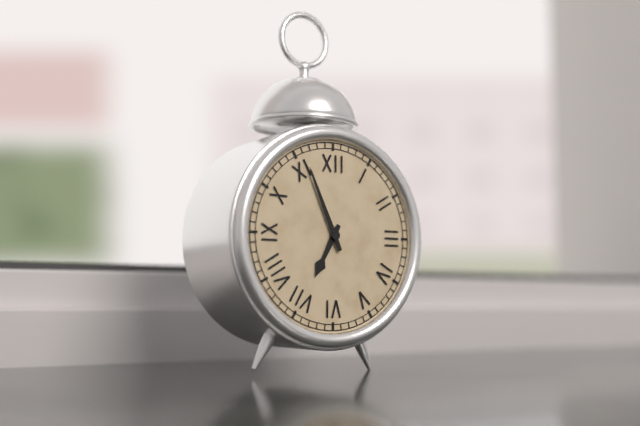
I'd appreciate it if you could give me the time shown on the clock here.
6:56
